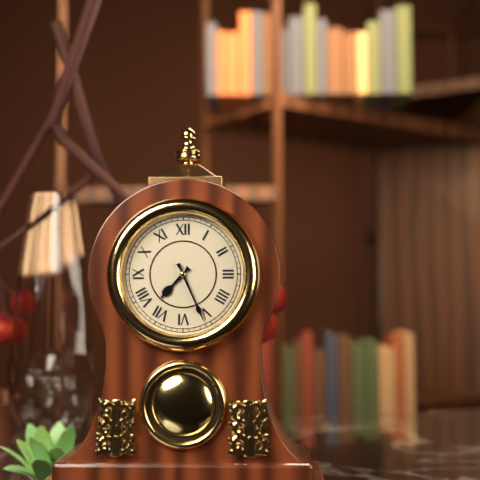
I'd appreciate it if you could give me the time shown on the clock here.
7:26
